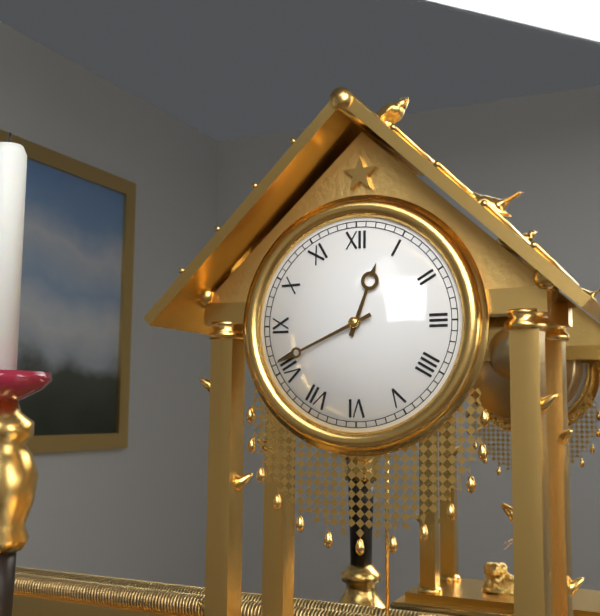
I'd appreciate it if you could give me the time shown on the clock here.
12:41
